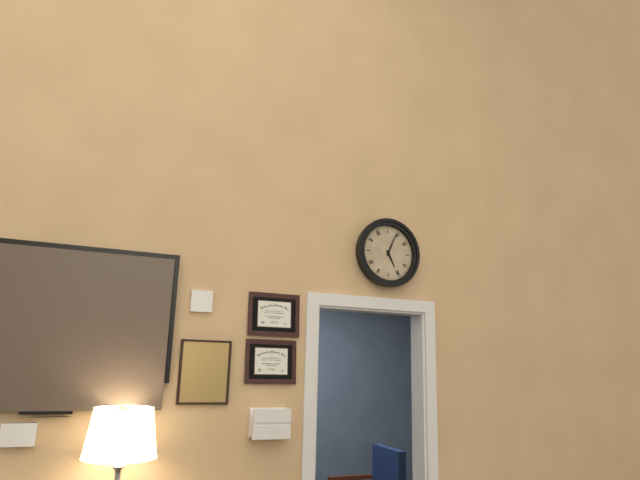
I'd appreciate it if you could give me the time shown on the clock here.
5:04
